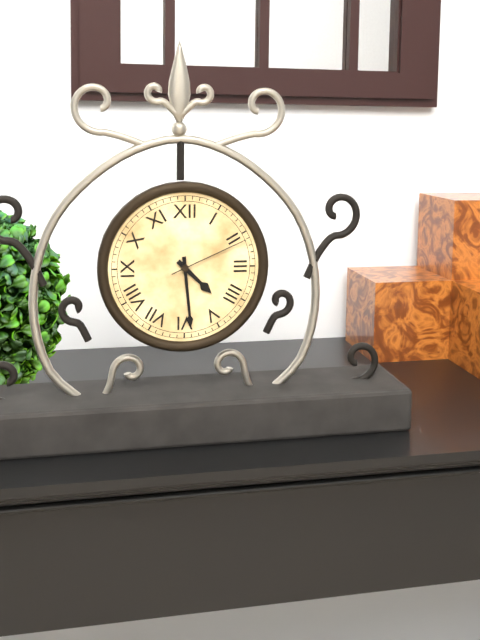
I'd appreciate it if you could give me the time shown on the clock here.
4:29:11
